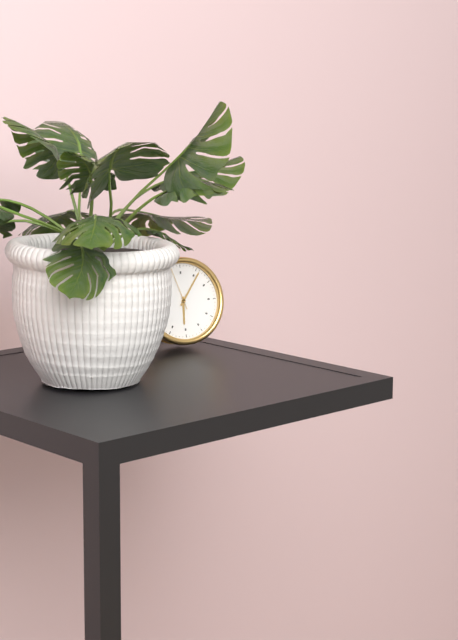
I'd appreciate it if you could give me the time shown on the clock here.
6:06
